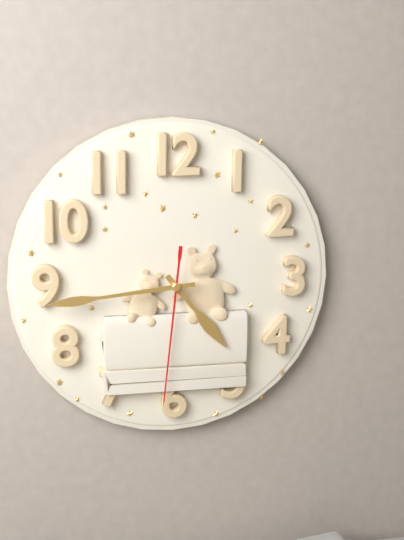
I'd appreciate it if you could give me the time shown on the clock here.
4:44:31
